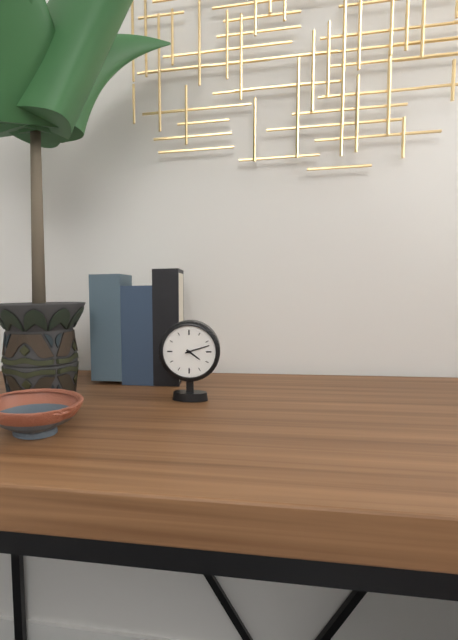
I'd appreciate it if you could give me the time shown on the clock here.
4:12
